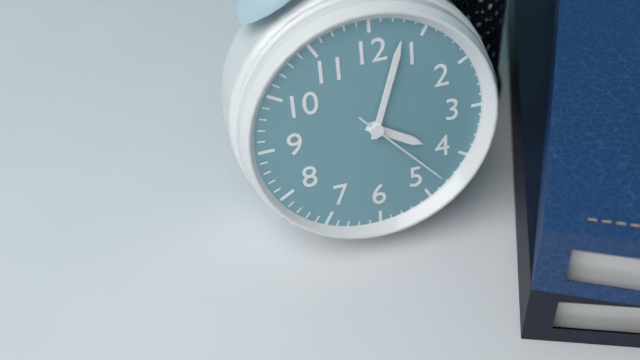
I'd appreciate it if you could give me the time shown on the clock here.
4:03:23
